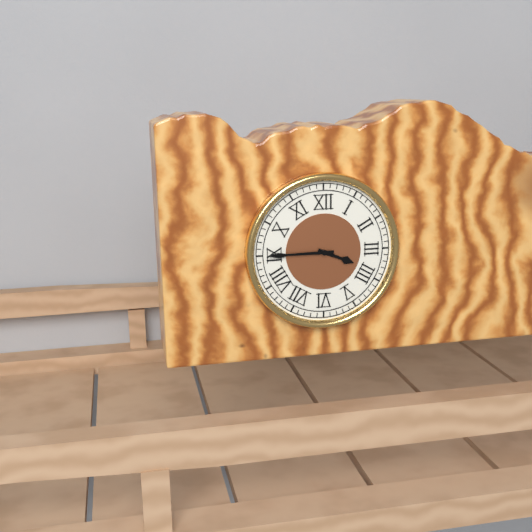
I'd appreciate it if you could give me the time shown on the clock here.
3:45
